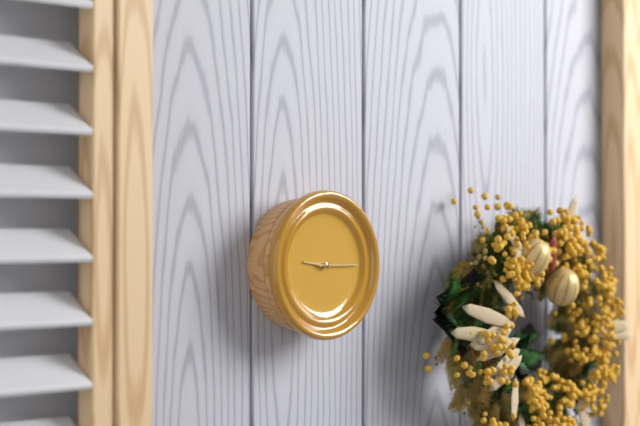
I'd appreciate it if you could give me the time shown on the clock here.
9:15
